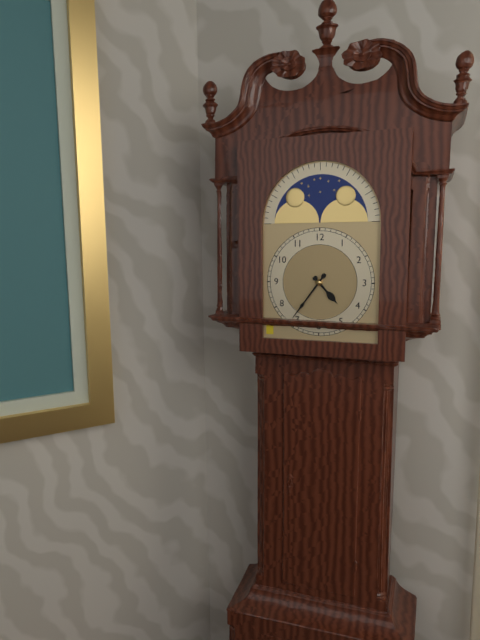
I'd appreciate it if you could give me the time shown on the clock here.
4:36
